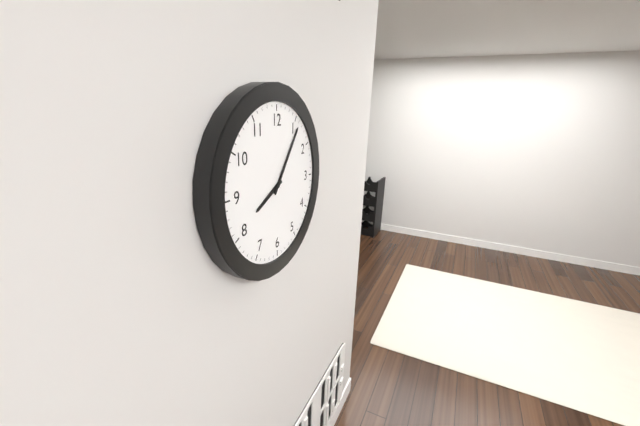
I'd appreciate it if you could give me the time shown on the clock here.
8:06
